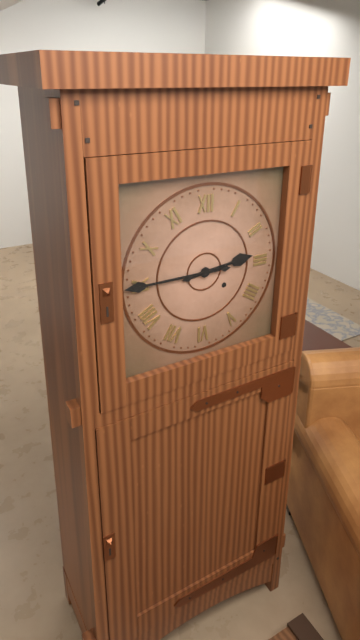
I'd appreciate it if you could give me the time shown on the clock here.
2:45
